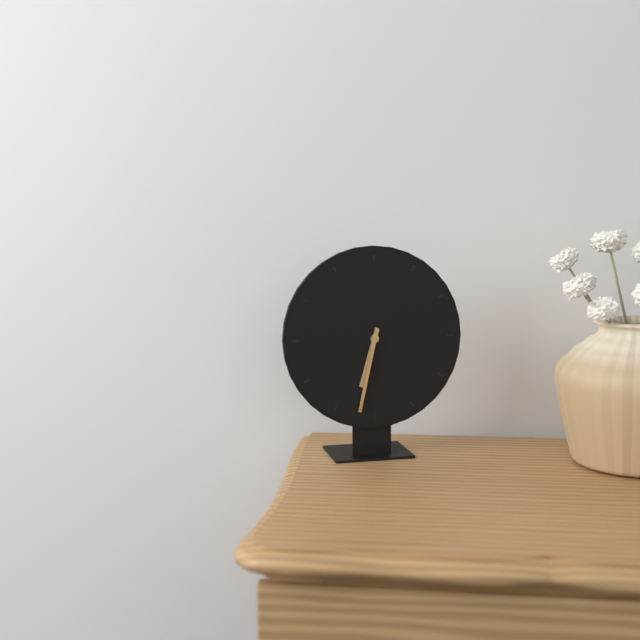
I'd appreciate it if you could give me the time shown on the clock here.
6:32
